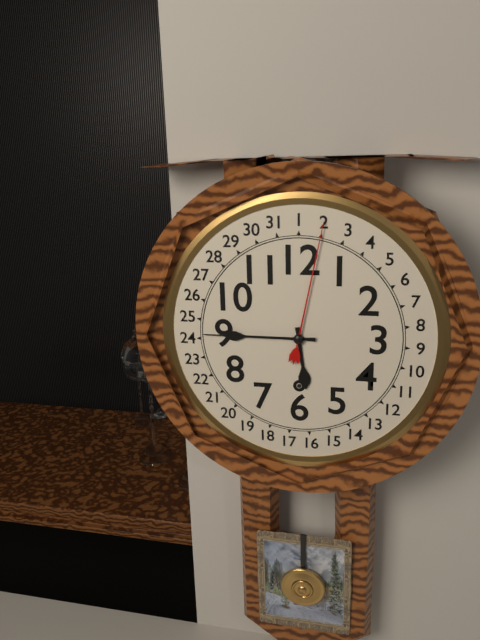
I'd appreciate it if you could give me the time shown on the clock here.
5:45
